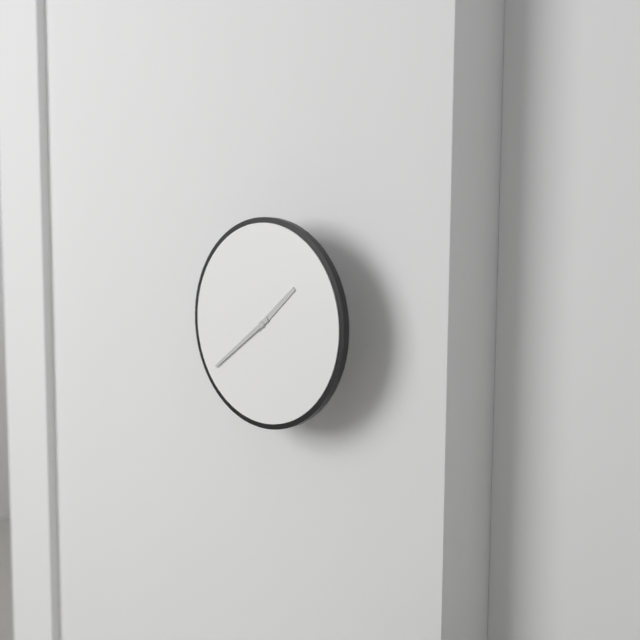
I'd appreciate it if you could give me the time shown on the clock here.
1:39
